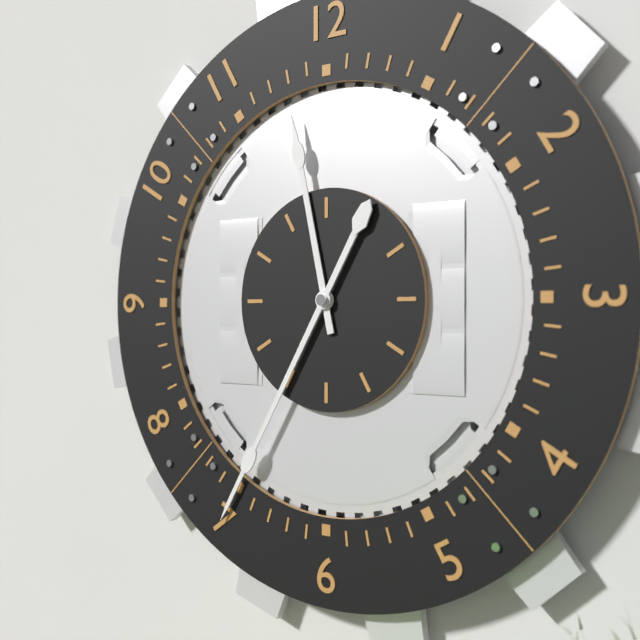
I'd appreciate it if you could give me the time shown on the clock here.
11:35
